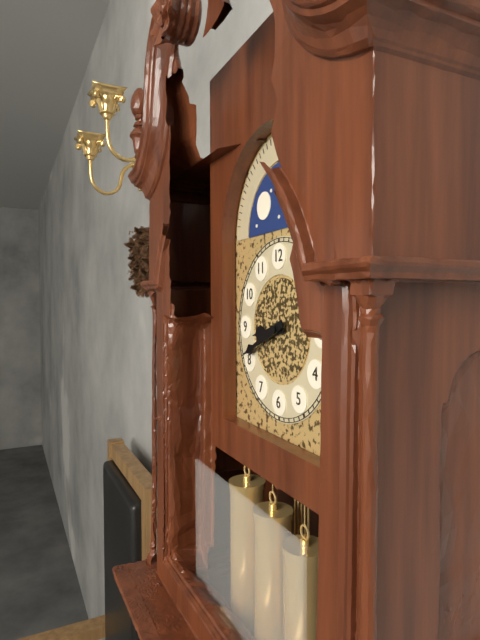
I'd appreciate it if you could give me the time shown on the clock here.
8:41
